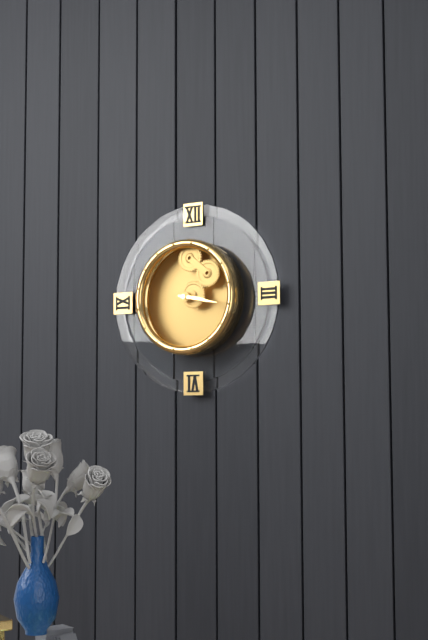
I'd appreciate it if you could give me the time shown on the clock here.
3:17
